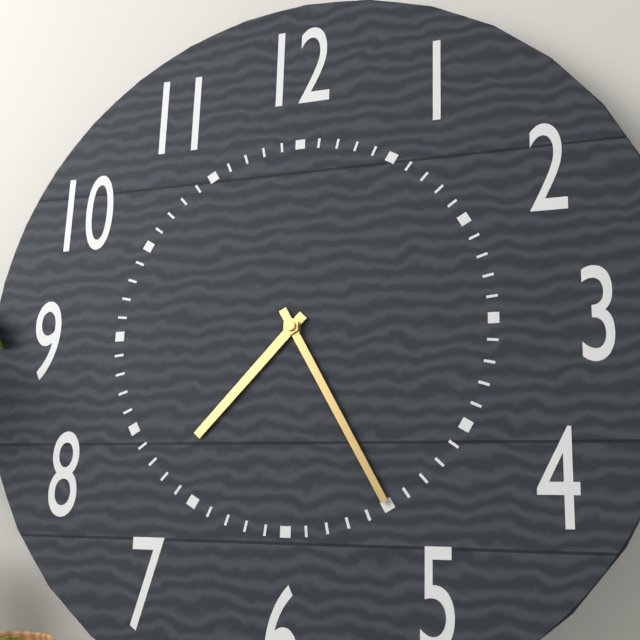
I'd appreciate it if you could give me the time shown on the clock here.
7:25
